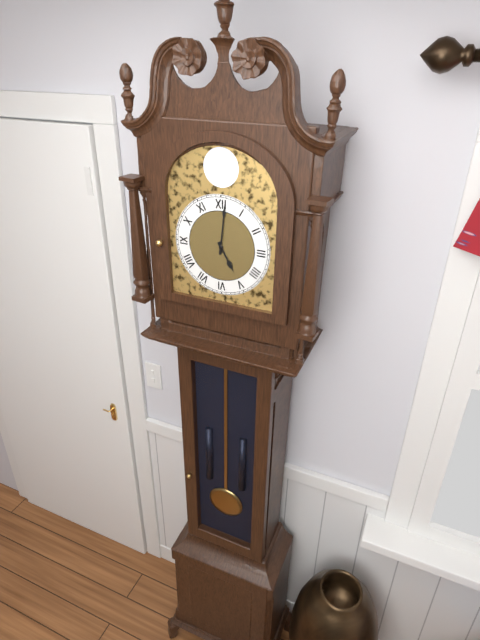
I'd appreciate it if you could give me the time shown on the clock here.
5:01
